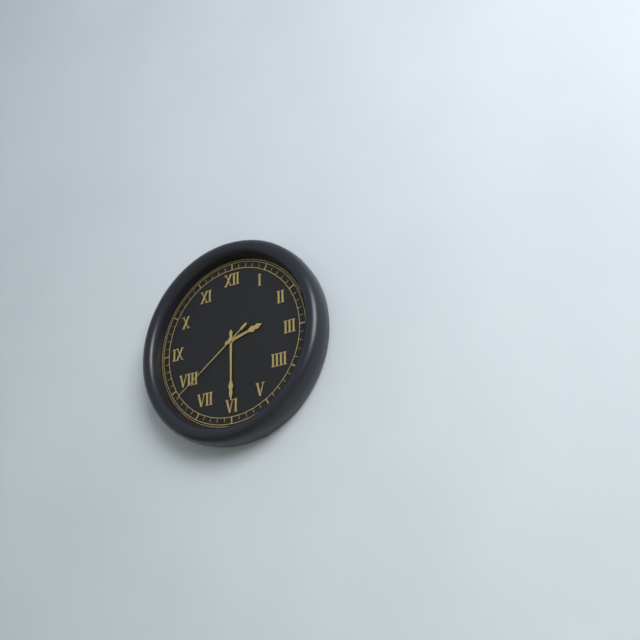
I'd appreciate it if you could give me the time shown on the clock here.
2:30:39
